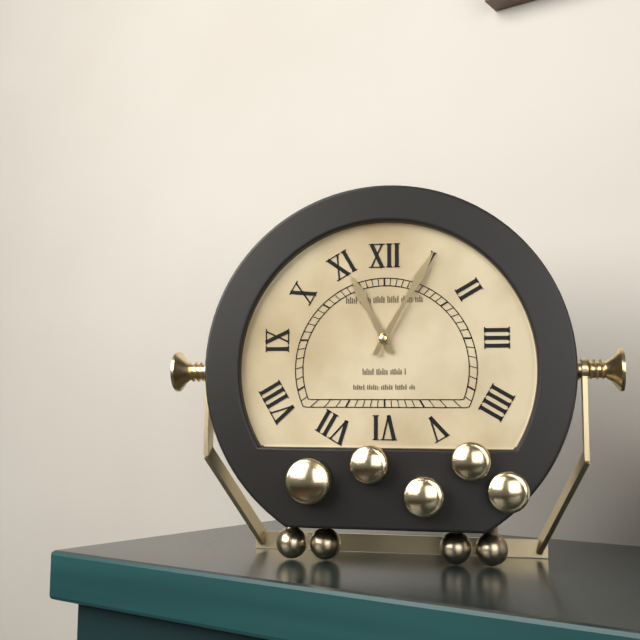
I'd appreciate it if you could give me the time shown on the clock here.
11:05
